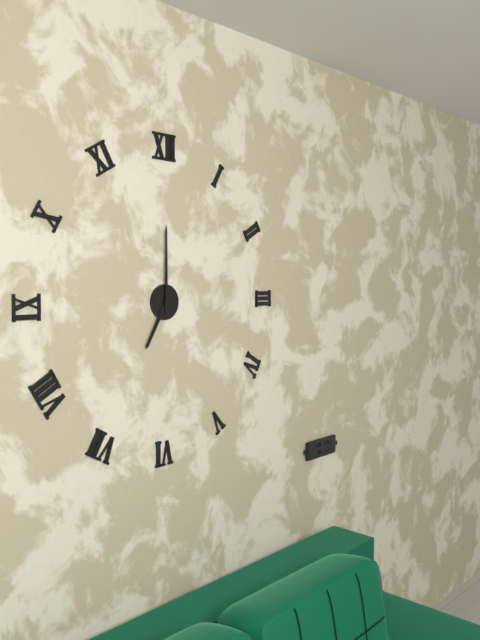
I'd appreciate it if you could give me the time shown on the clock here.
7:00
